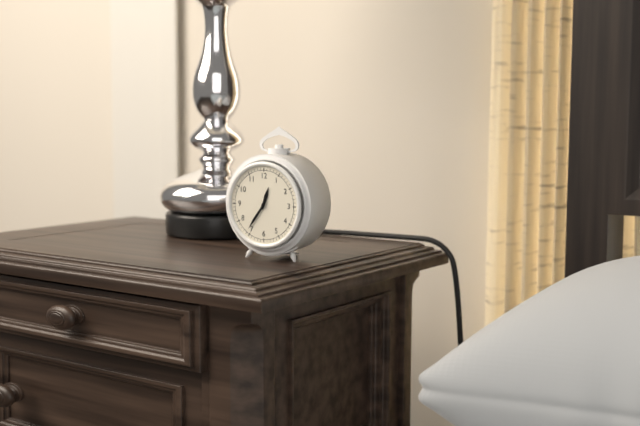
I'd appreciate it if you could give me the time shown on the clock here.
12:36
